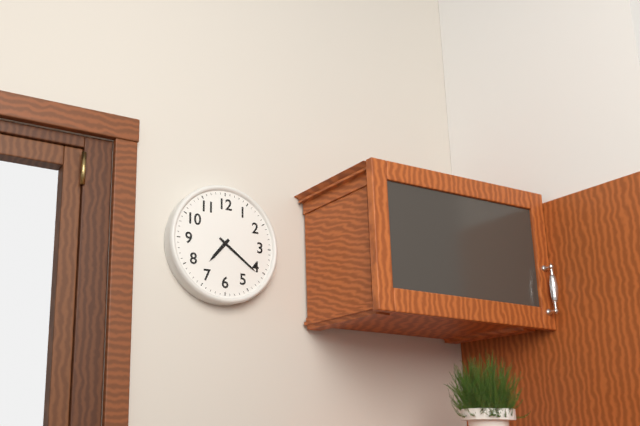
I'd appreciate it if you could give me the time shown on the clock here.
7:21
